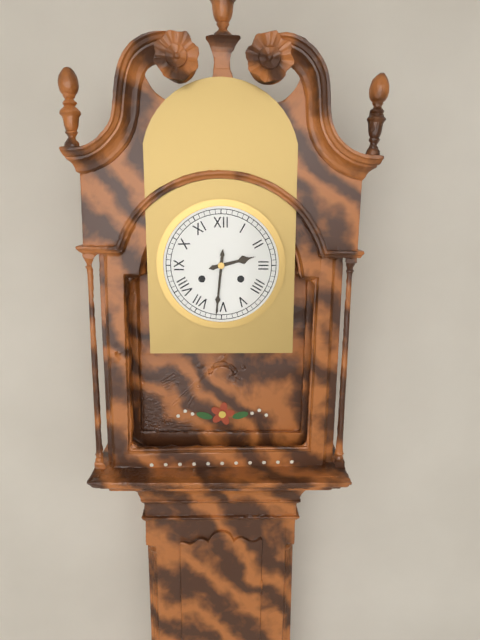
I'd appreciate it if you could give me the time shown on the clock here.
2:31
